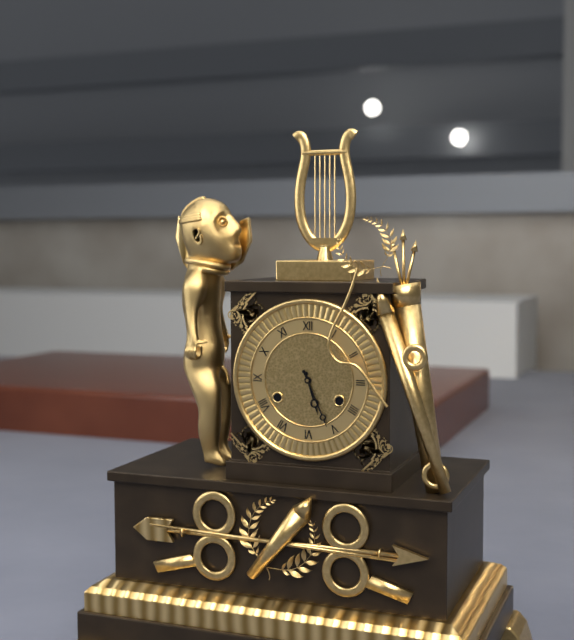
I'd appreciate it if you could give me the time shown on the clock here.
5:26
